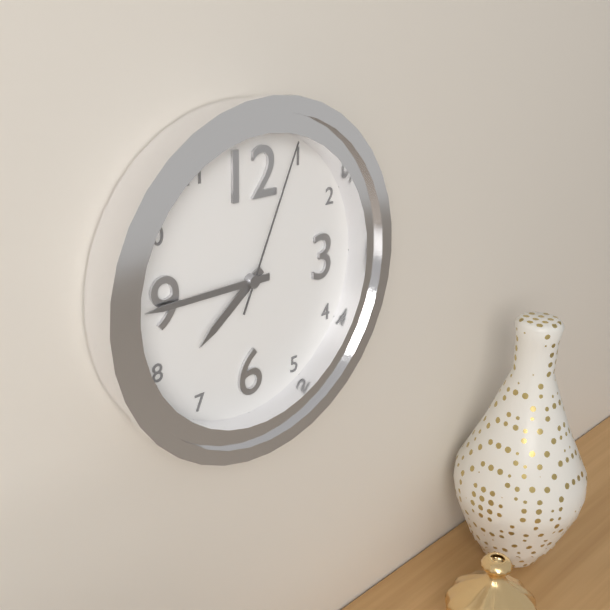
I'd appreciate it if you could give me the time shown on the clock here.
7:45:04
